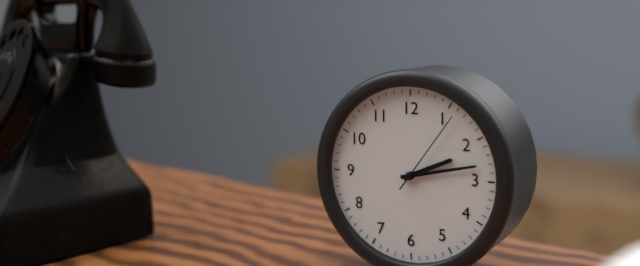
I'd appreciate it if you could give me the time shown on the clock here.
2:13:06
